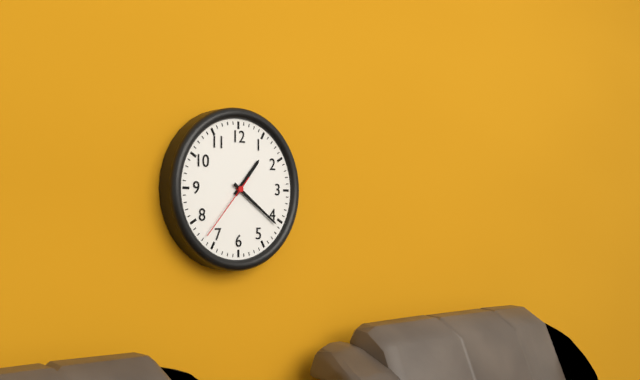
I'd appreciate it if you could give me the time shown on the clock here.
1:21:37
